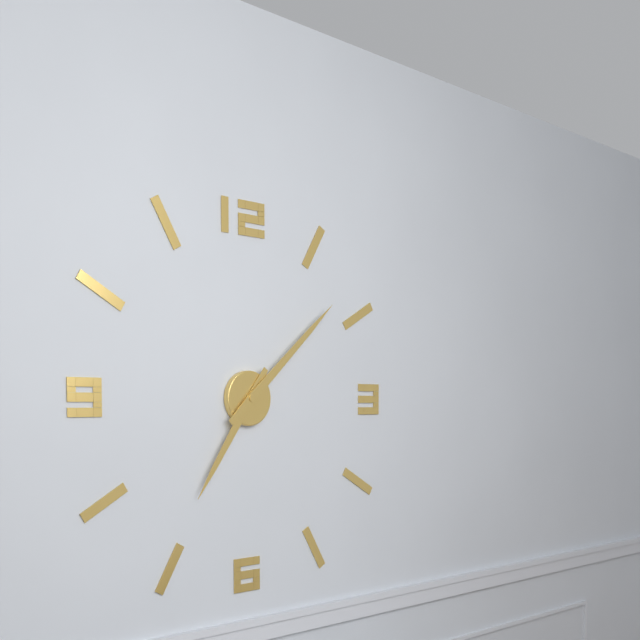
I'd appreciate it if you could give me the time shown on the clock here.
7:08
